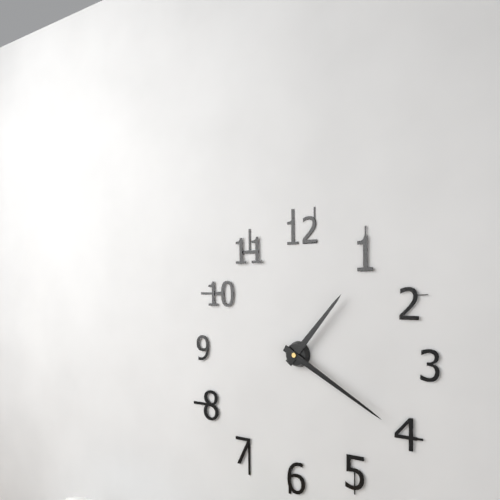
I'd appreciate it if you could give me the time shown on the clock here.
1:20
